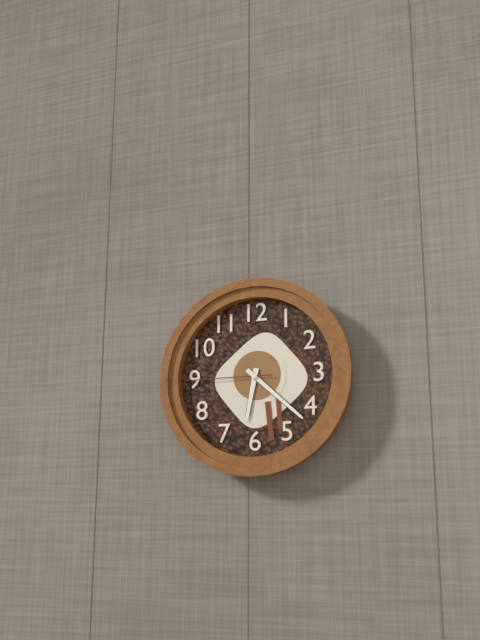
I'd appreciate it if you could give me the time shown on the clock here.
6:22:45
